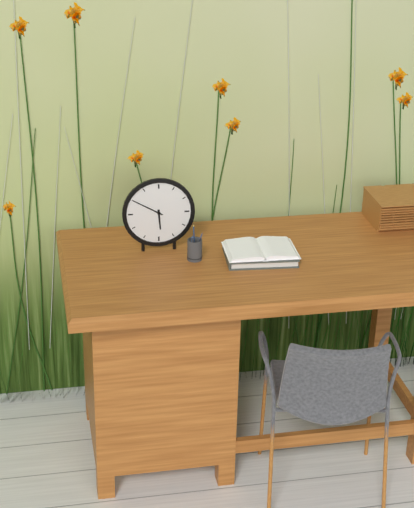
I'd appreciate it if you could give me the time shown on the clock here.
5:50
